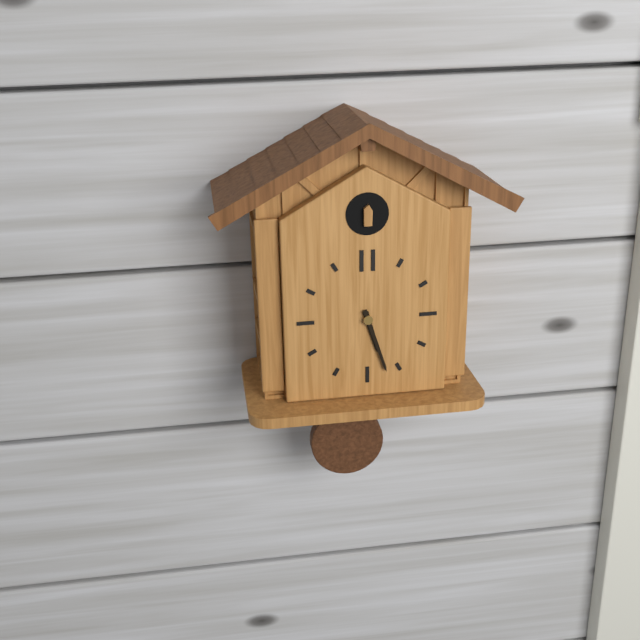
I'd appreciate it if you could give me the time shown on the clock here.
5:27
